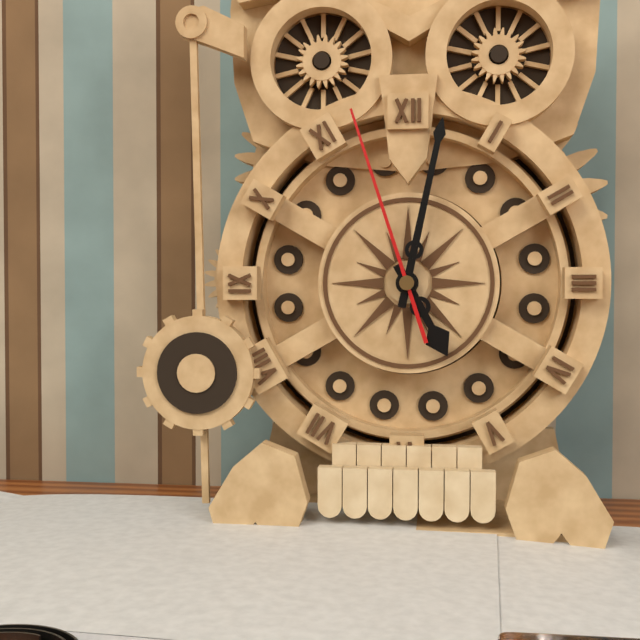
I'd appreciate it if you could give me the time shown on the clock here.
5:02:57
